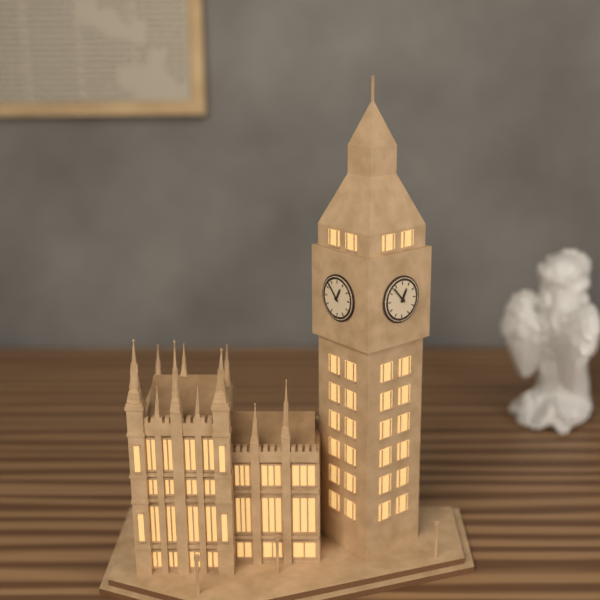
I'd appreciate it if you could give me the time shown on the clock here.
12:53
